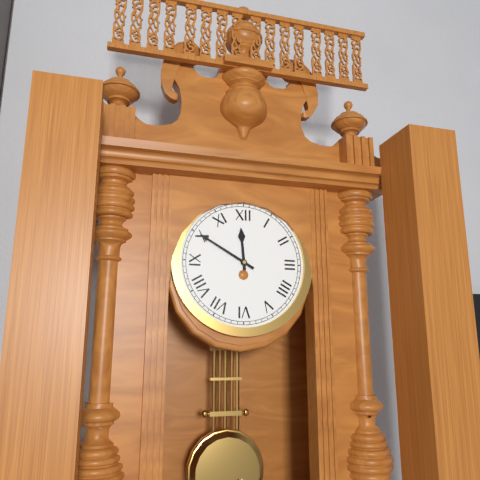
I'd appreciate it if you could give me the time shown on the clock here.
11:50
